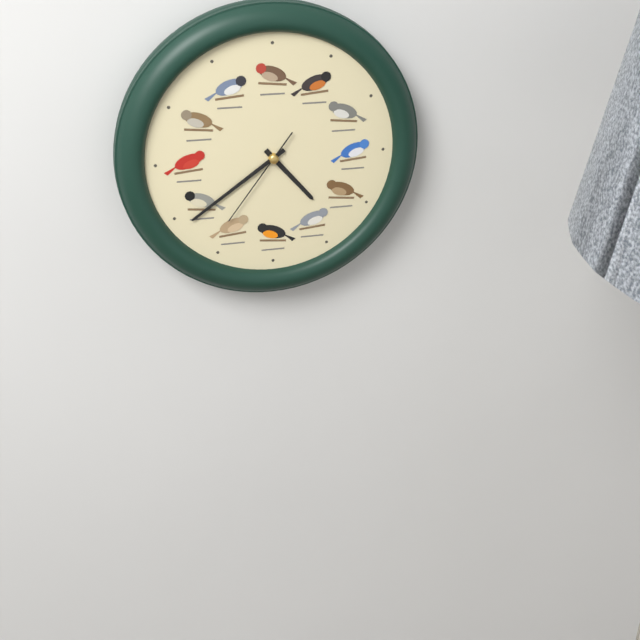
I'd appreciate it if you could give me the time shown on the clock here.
4:39:36
